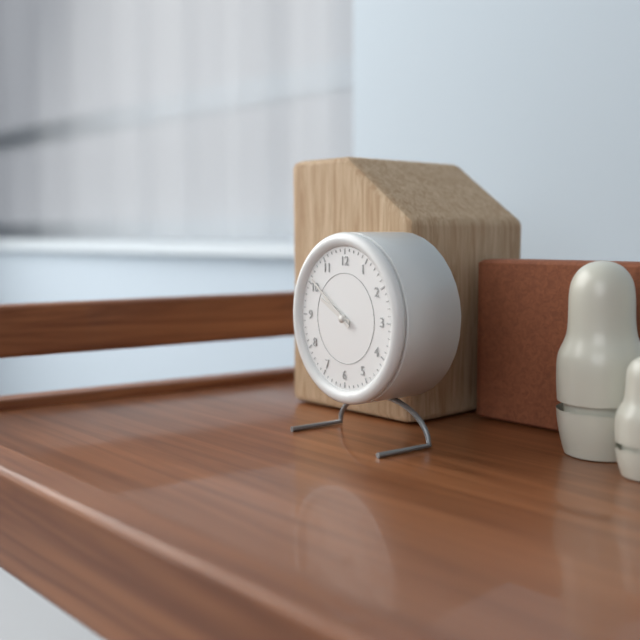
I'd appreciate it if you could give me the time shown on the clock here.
9:51
